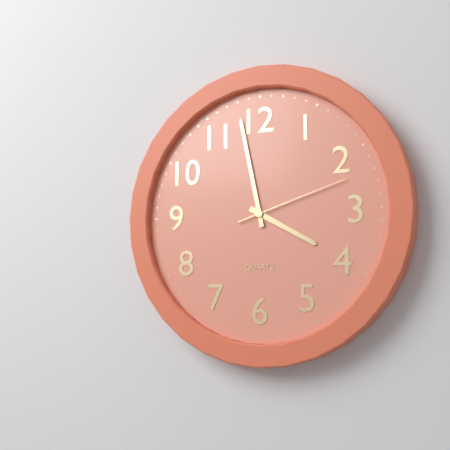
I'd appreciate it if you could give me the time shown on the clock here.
3:58:12
